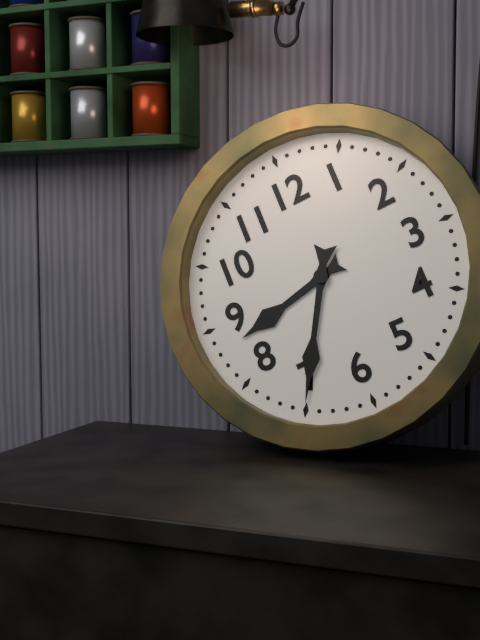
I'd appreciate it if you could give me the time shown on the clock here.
8:35
